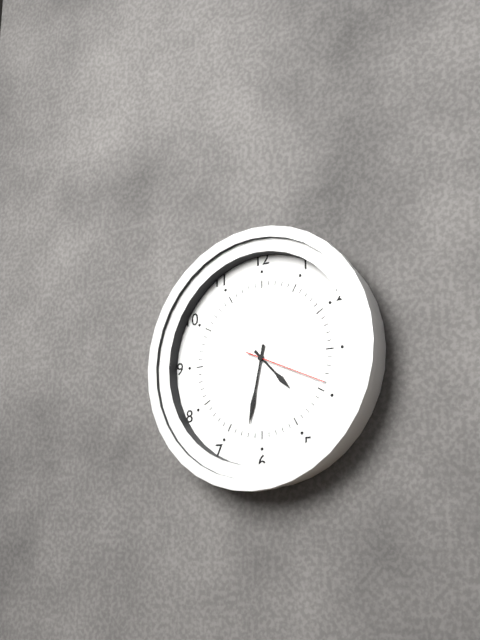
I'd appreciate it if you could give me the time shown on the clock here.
4:32:19
